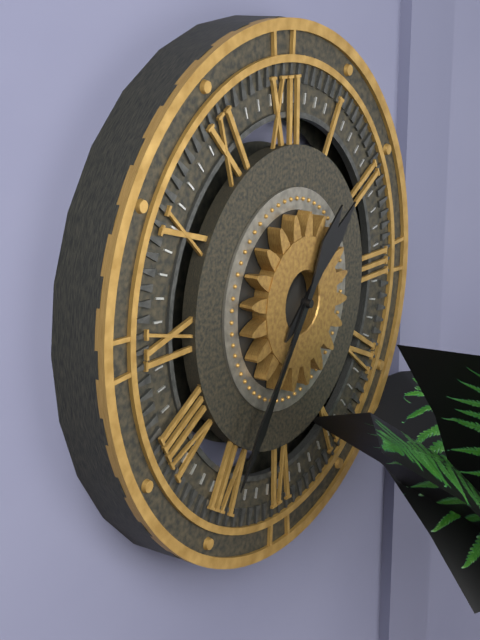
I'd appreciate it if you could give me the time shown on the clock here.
1:36
